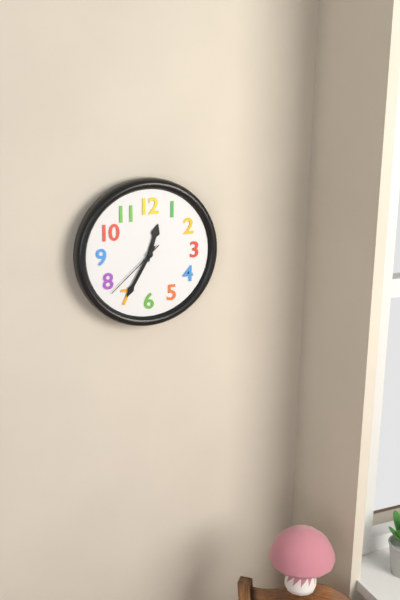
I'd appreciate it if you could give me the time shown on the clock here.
12:35:38
